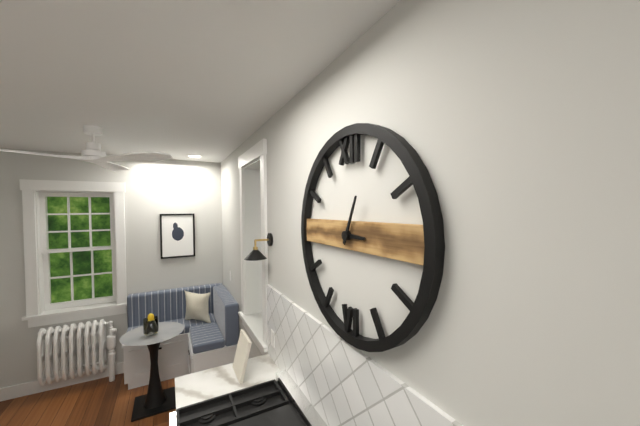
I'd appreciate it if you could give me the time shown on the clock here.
3:04
